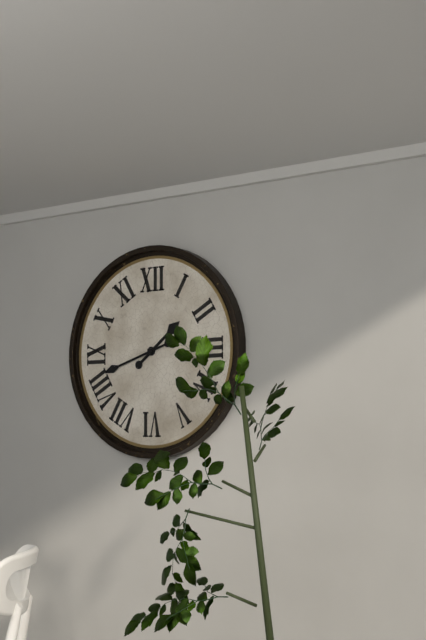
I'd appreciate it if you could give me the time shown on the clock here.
1:42
